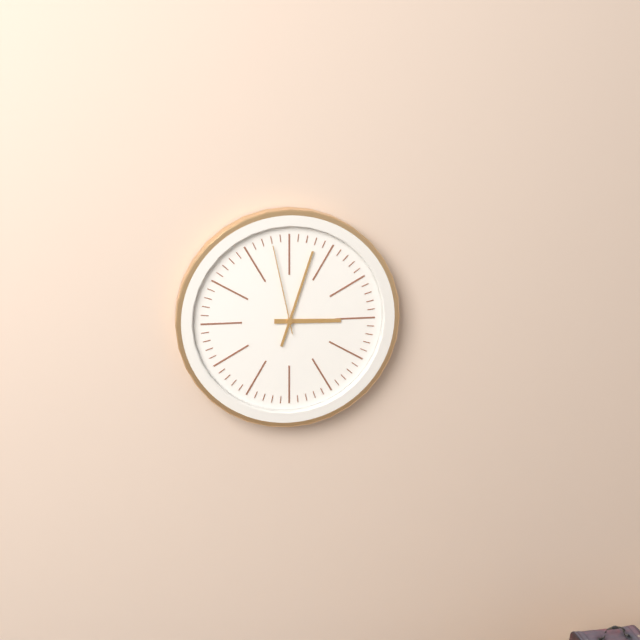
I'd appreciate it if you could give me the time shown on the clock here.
3:03:58
